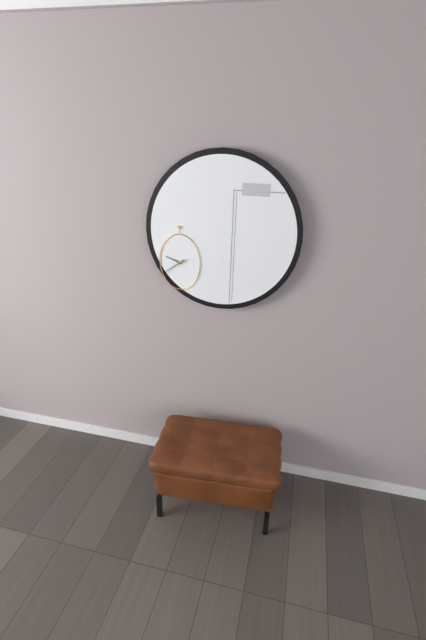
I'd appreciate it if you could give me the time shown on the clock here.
9:39
